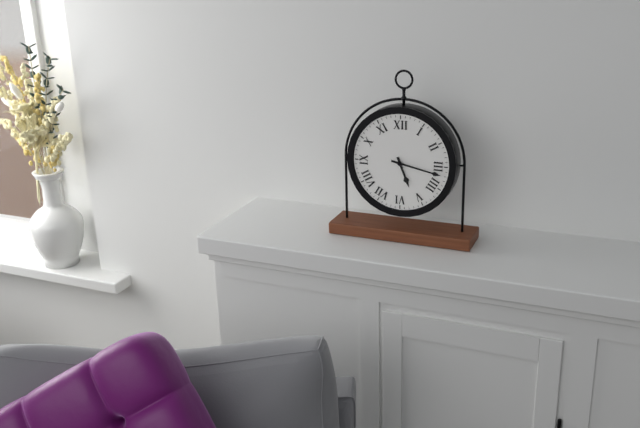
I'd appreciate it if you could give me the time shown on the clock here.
5:17
